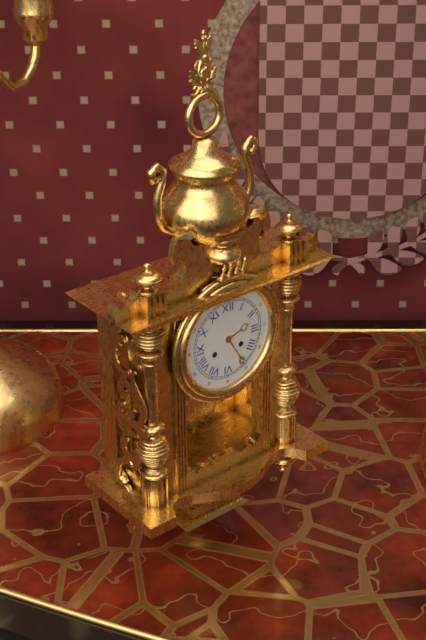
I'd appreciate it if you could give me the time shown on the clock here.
2:25
